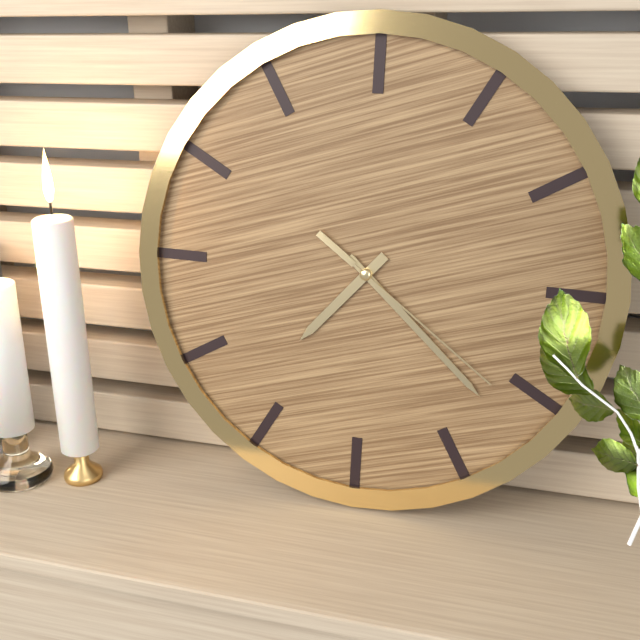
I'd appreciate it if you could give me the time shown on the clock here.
7:22:21
